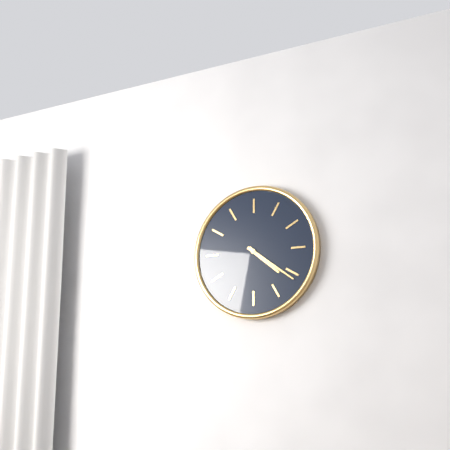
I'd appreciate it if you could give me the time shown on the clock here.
4:21
